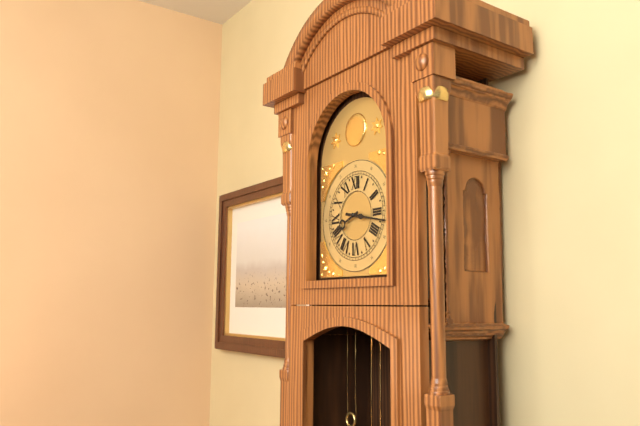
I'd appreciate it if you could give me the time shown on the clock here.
8:17
